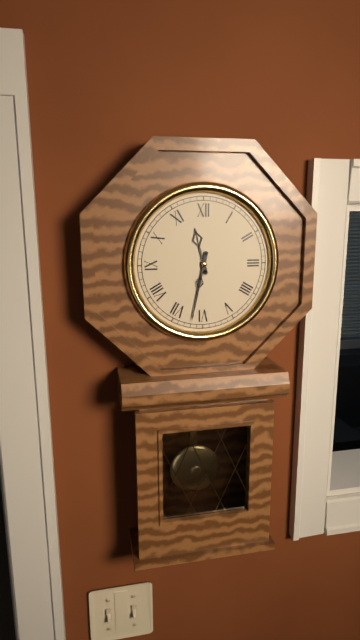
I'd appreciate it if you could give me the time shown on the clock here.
11:32
